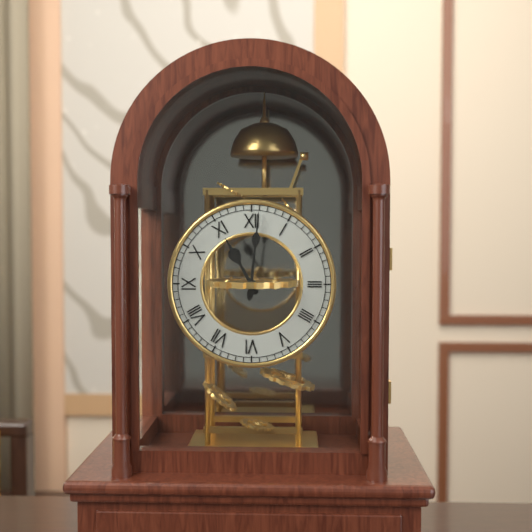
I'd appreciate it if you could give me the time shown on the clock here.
11:01
